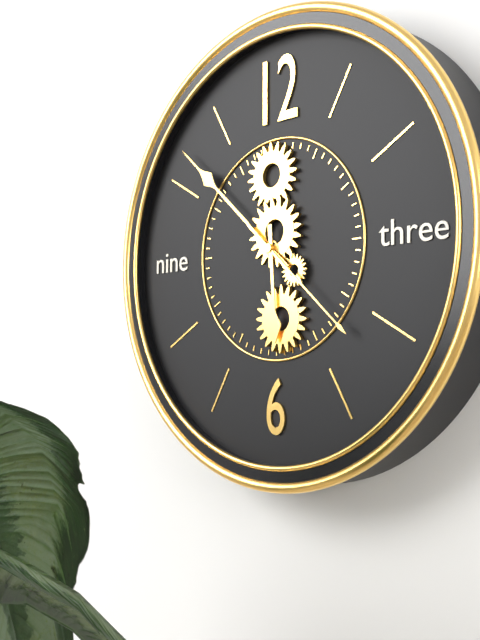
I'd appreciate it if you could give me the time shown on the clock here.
5:52:22
